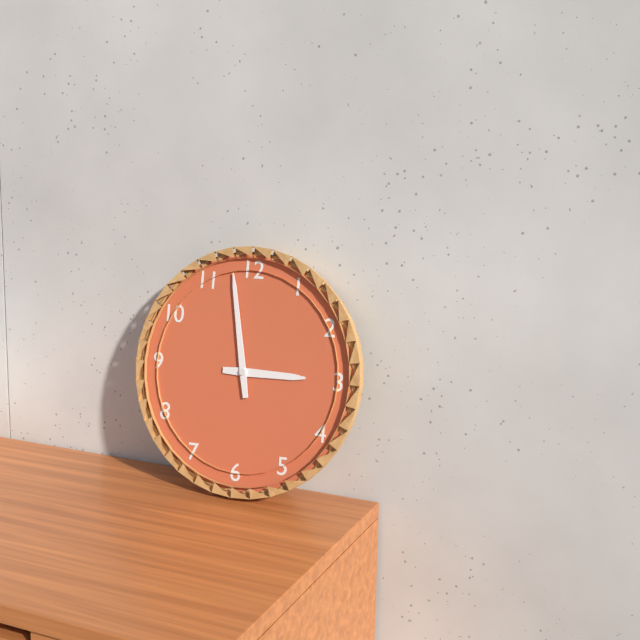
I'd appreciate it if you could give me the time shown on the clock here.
2:58
